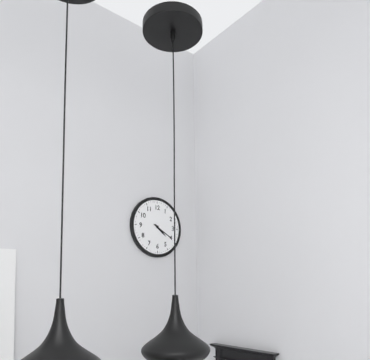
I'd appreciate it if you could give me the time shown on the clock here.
4:20
